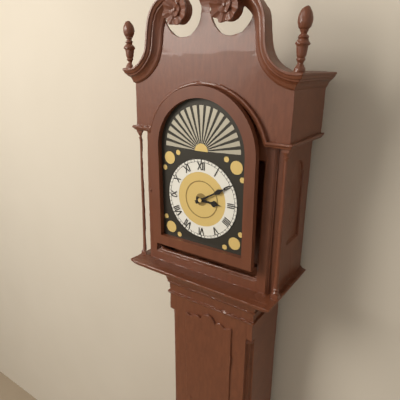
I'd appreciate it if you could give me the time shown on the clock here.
3:10
